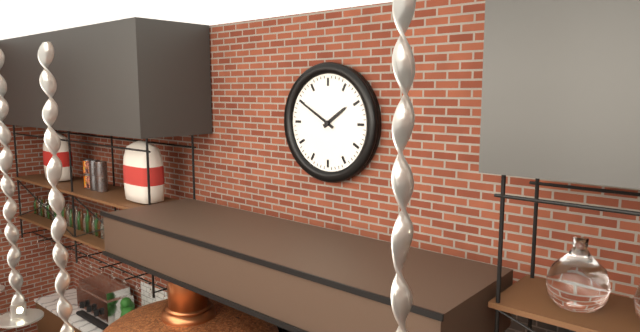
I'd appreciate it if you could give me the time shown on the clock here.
1:50
